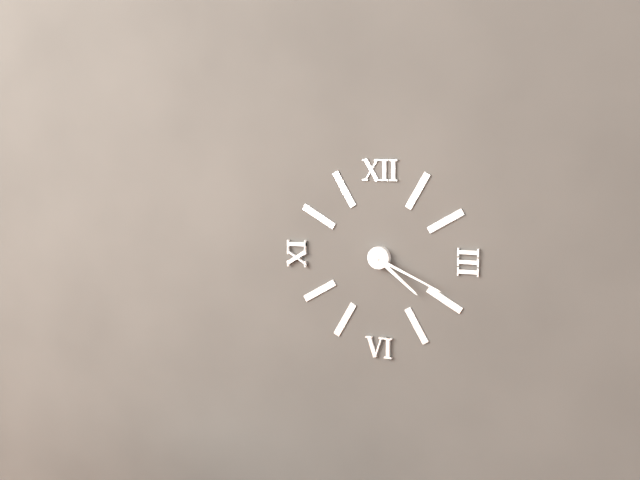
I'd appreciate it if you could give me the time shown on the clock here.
4:19
